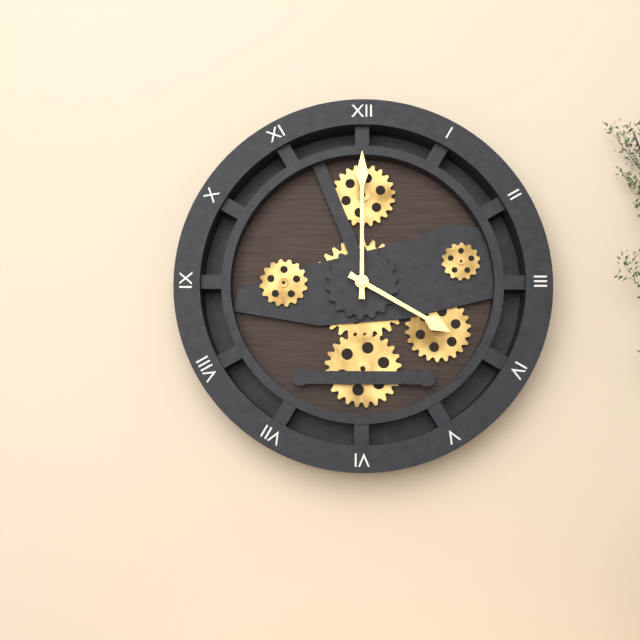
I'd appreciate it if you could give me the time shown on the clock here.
4:00
